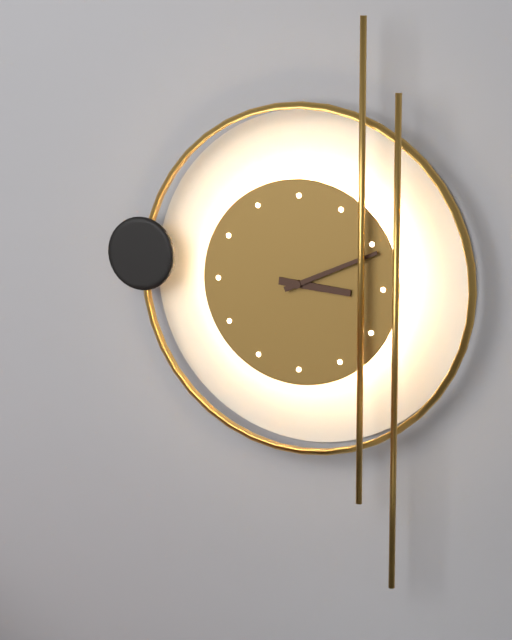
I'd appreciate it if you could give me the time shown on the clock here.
3:11
